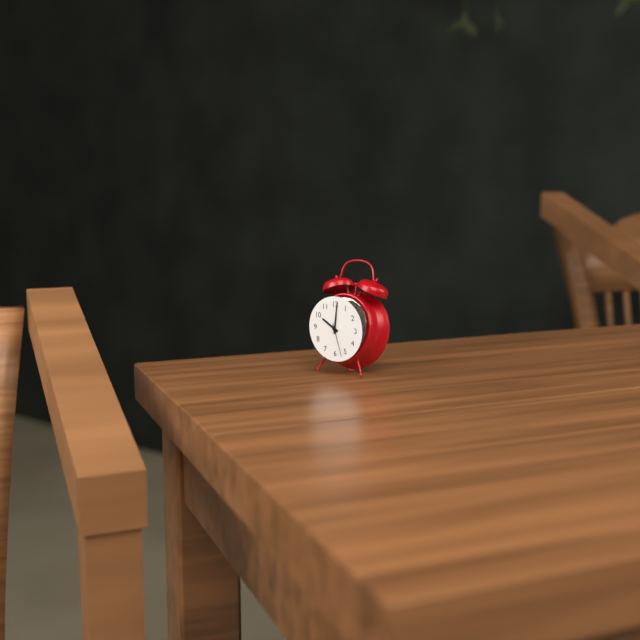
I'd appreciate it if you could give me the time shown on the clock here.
10:01
